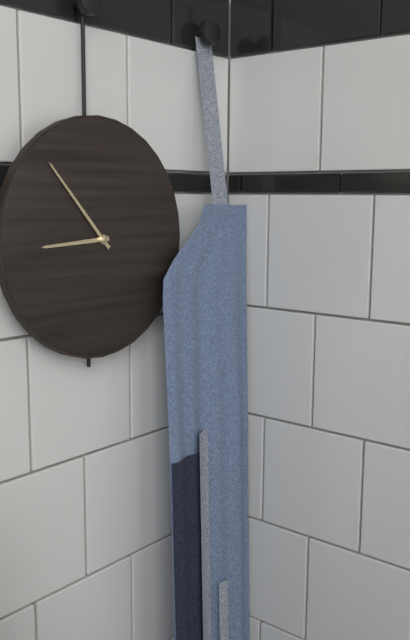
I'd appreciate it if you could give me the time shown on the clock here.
8:53
